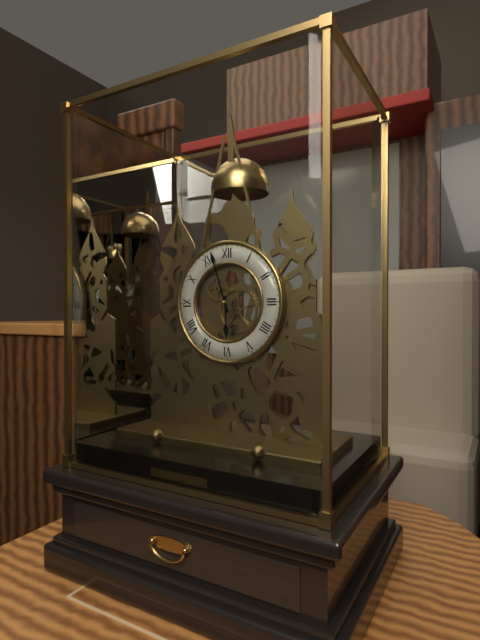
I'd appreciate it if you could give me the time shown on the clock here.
5:57
